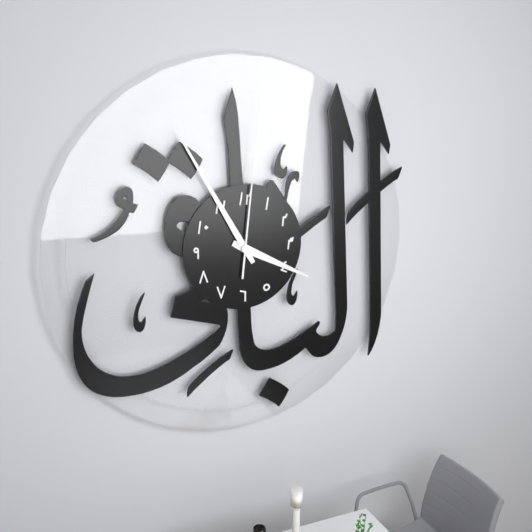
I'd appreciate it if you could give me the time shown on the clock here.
3:55:01
